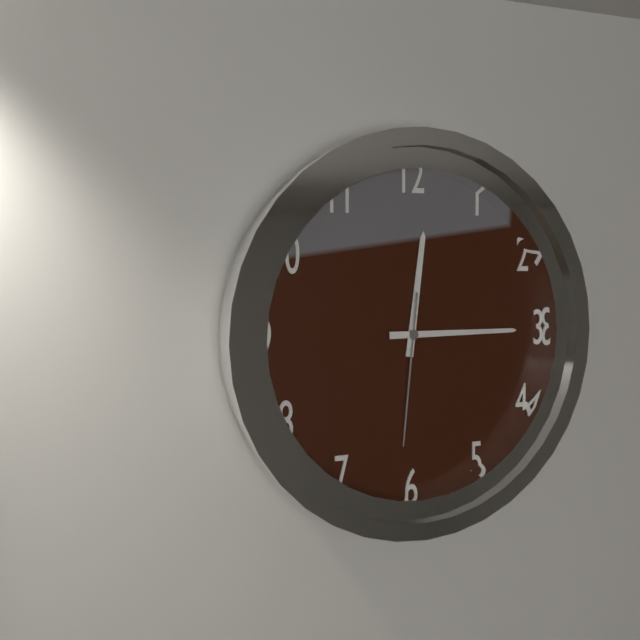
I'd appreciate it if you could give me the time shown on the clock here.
12:15:31
